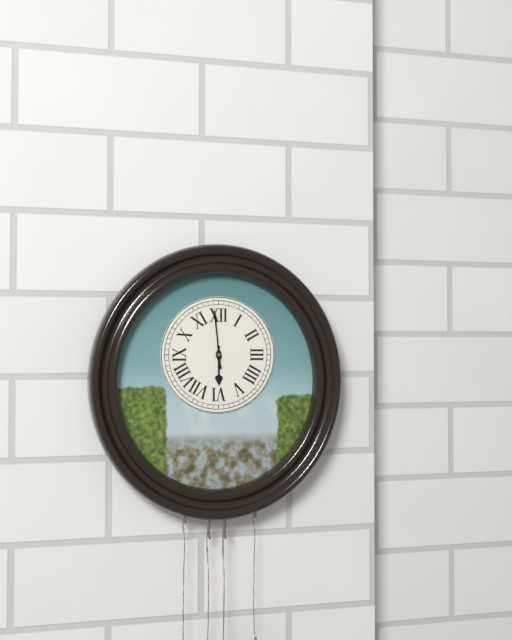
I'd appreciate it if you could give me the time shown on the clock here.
5:59
